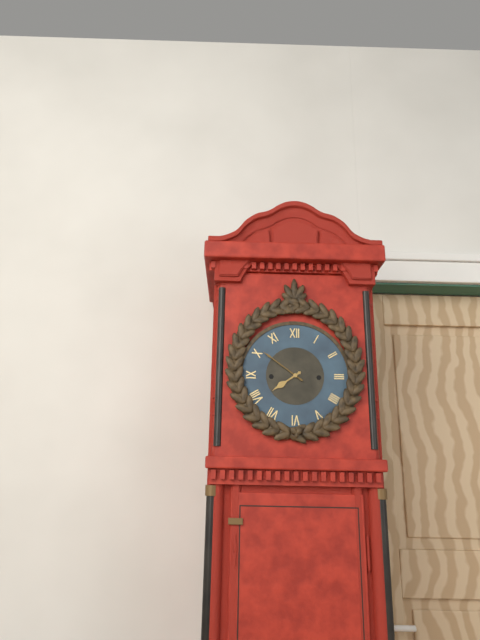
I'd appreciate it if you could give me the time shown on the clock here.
7:51
